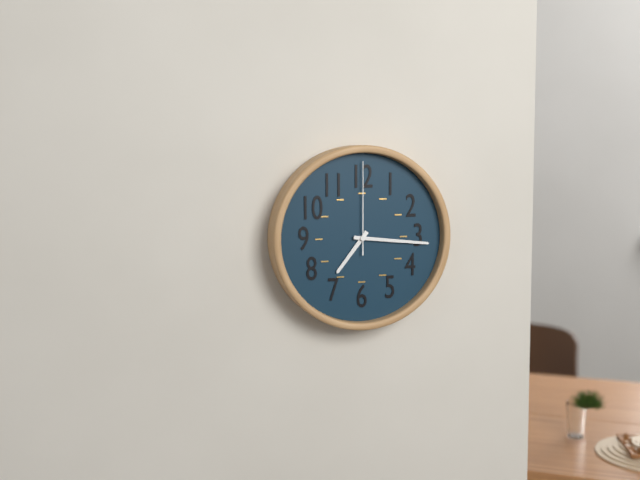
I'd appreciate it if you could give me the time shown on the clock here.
7:16:00
